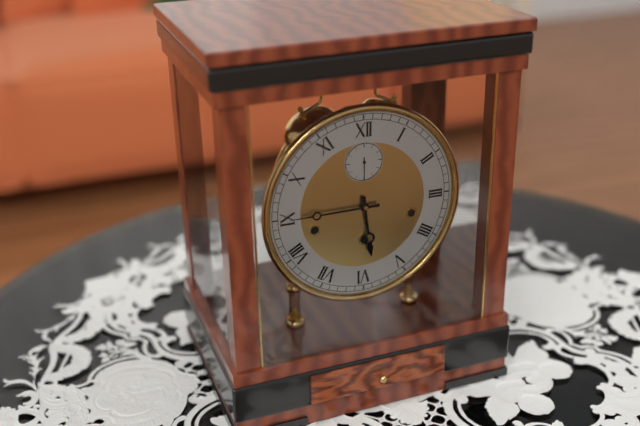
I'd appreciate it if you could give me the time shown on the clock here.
5:45
